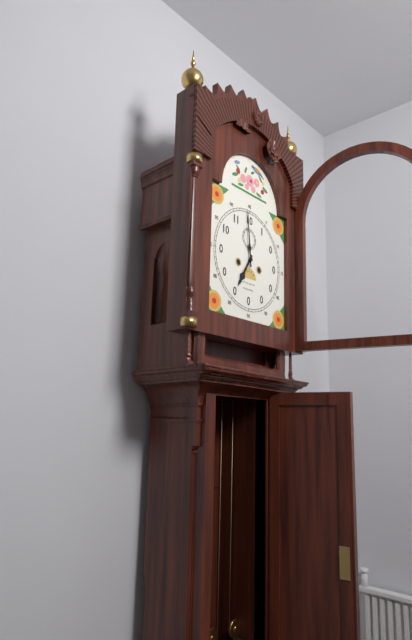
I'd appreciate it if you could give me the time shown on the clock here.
6:59
